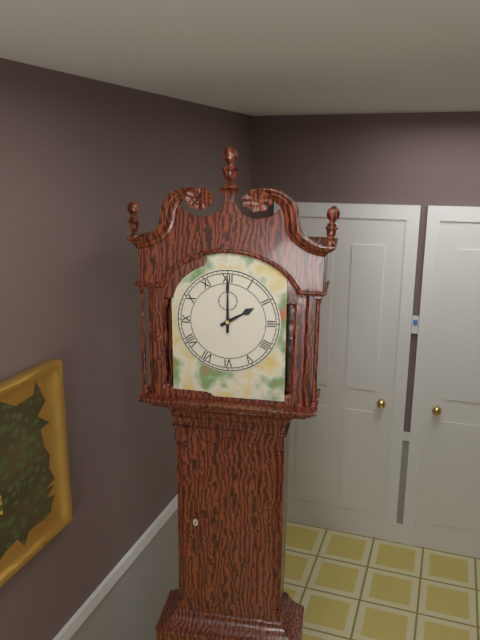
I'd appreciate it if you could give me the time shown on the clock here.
2:00
